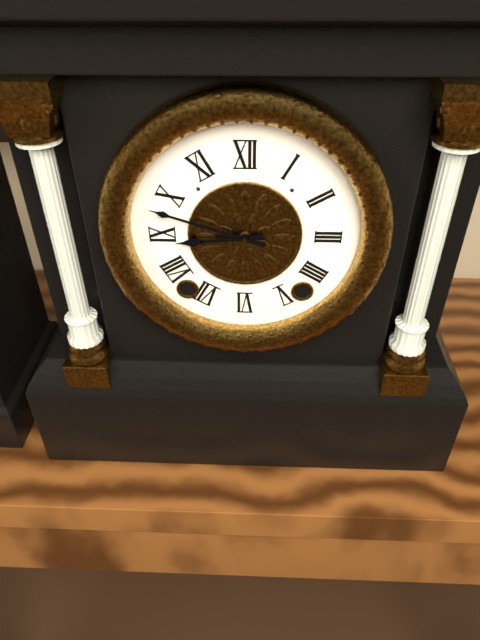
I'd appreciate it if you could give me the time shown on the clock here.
8:48
